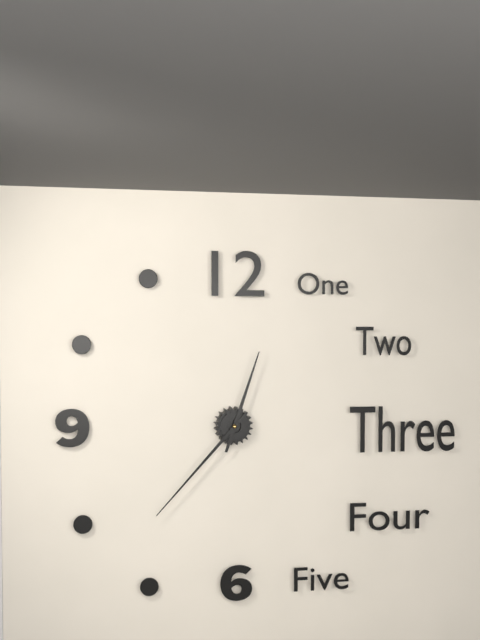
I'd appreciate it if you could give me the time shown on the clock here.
12:37
